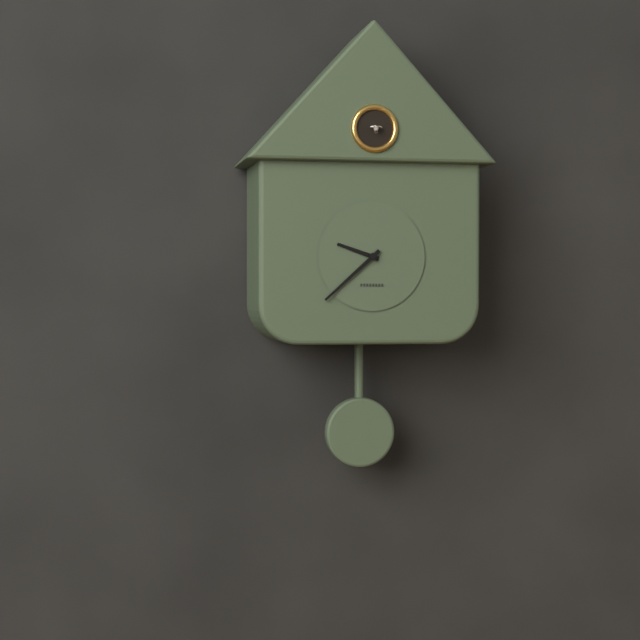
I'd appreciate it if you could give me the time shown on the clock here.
9:38
